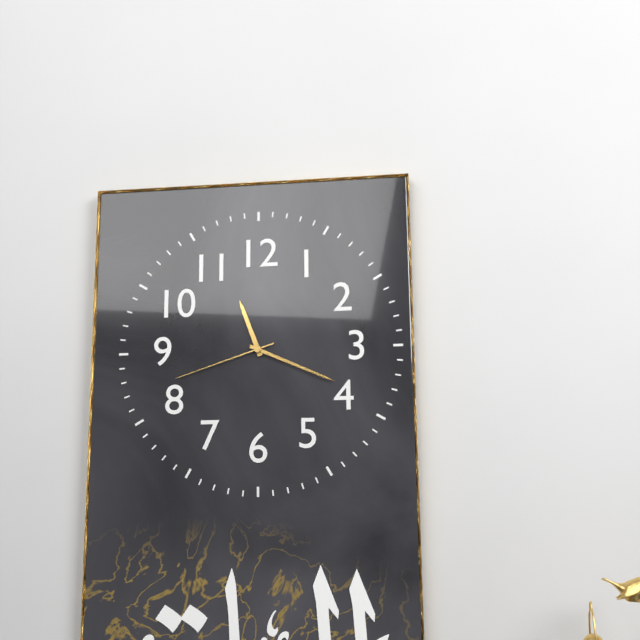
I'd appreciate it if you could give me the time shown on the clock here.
11:19:42
